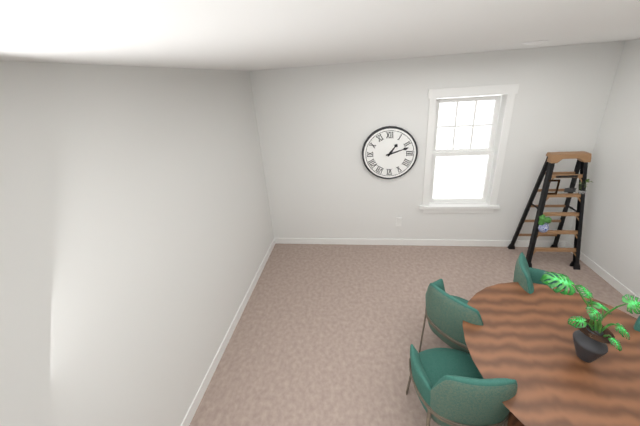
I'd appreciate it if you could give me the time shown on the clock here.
1:12
